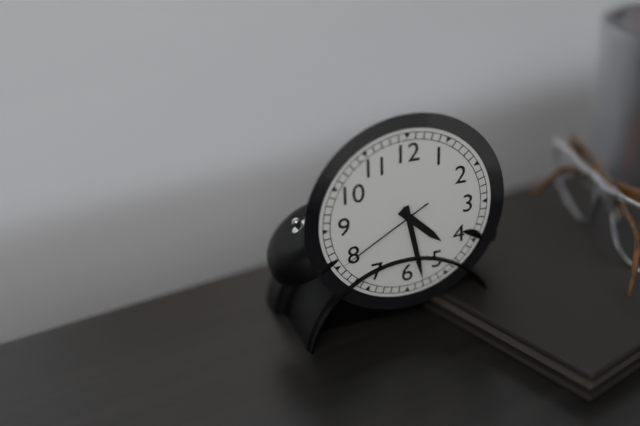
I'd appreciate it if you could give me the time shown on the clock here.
4:28:40
